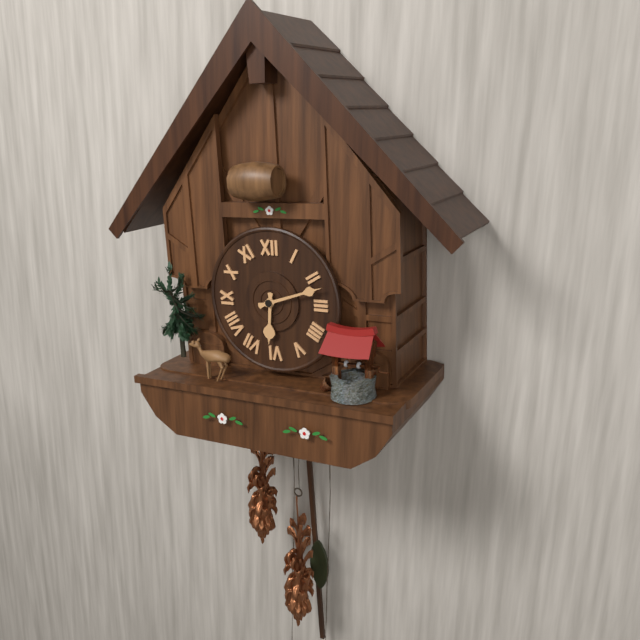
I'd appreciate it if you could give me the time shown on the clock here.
6:12
